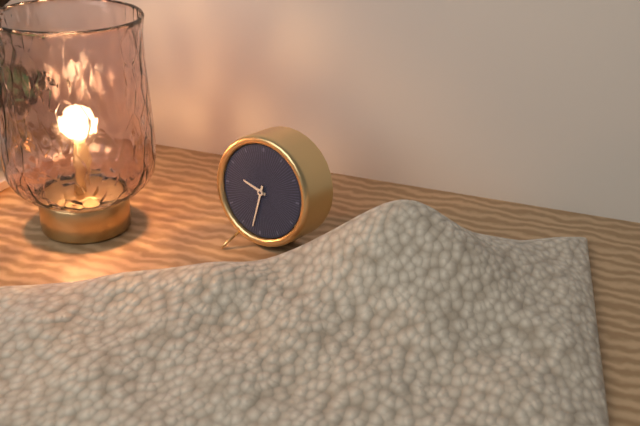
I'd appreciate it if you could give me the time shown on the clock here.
9:32
